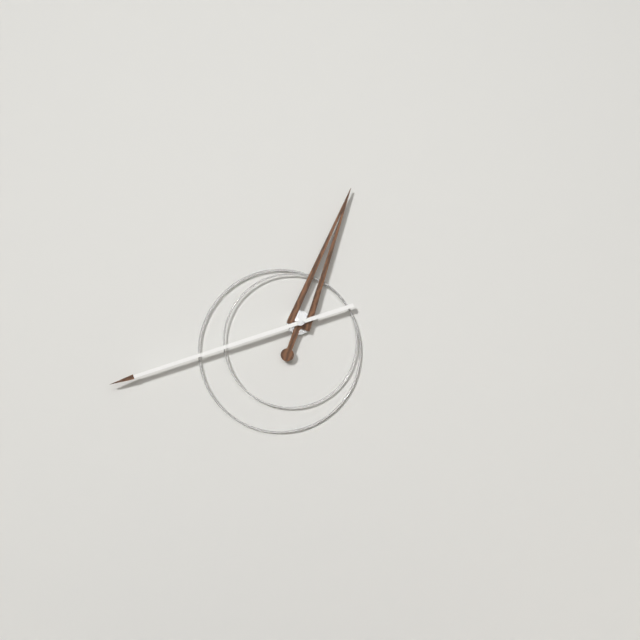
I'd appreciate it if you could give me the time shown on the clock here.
12:42
